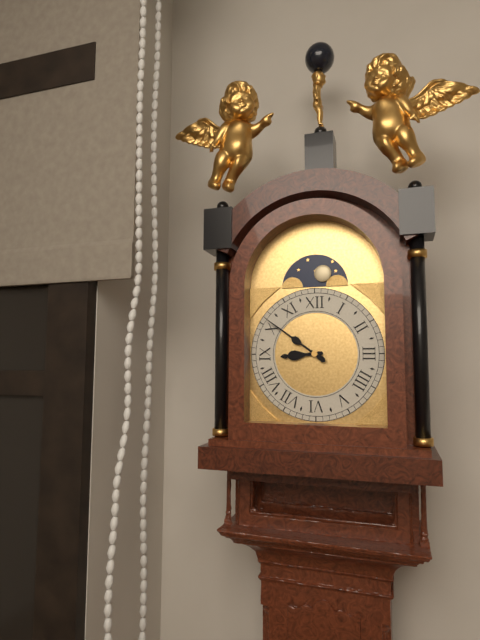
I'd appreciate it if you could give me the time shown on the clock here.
8:51
